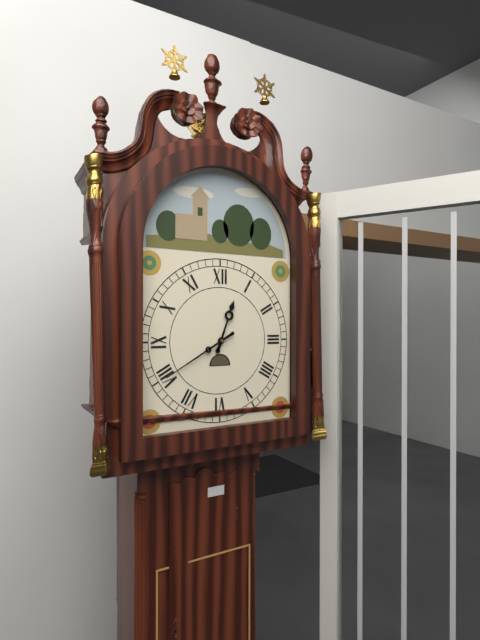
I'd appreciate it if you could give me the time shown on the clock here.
12:40
